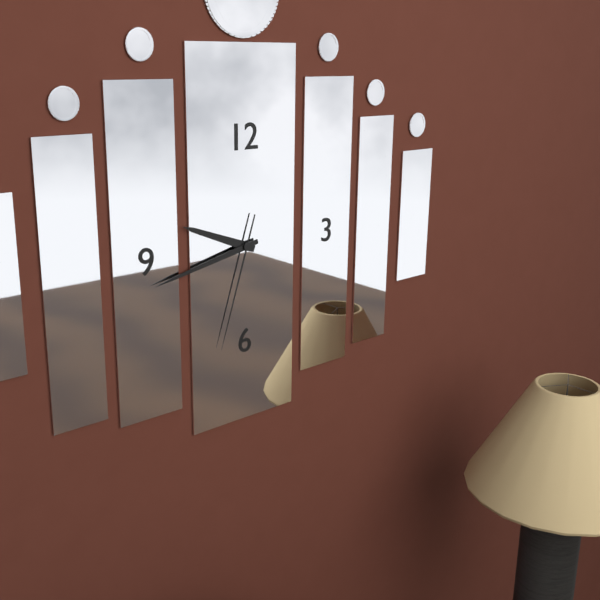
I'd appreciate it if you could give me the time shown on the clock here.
9:43:33
